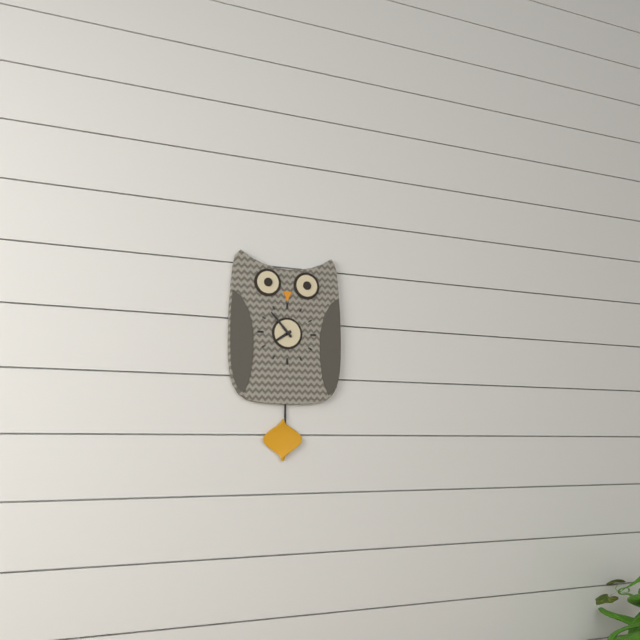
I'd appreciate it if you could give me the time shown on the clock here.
7:53
